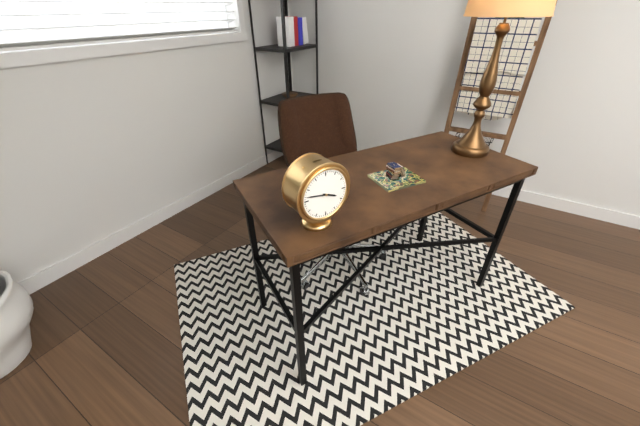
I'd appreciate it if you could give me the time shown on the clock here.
3:47
